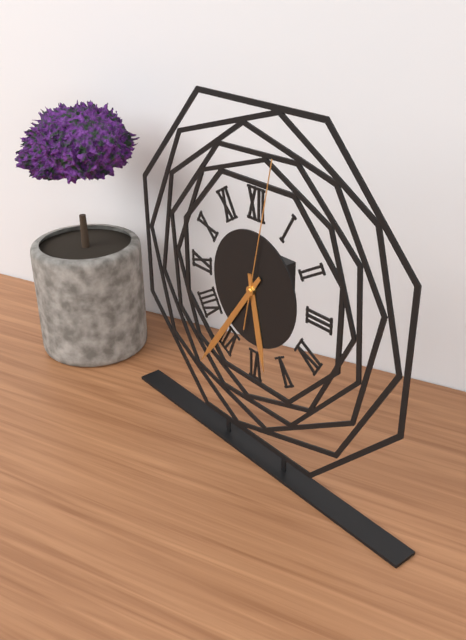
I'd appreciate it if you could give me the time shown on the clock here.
5:36:02
